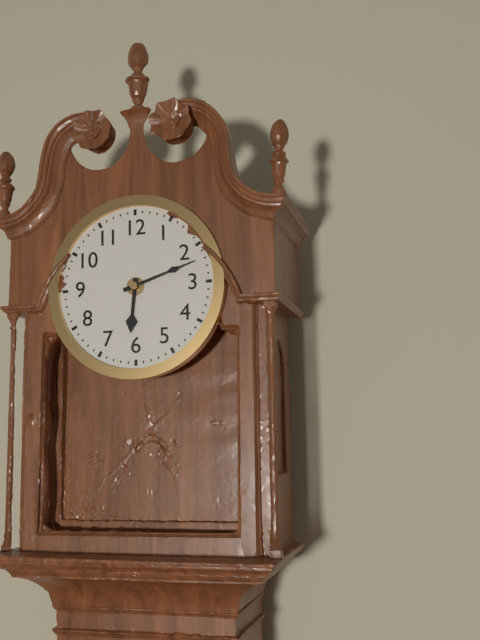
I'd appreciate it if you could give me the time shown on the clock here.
6:12
